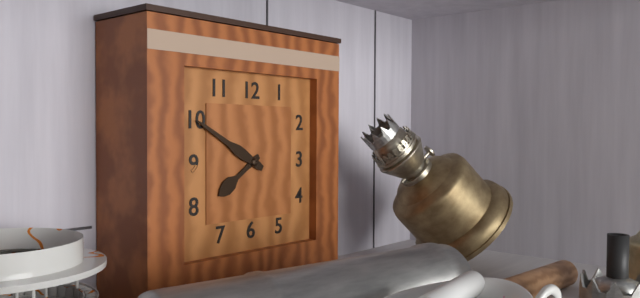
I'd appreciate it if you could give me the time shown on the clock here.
7:50
